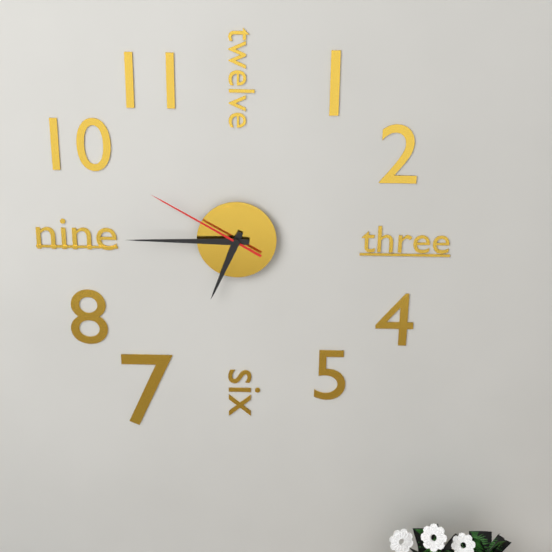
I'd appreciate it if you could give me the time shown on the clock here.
6:45:50
